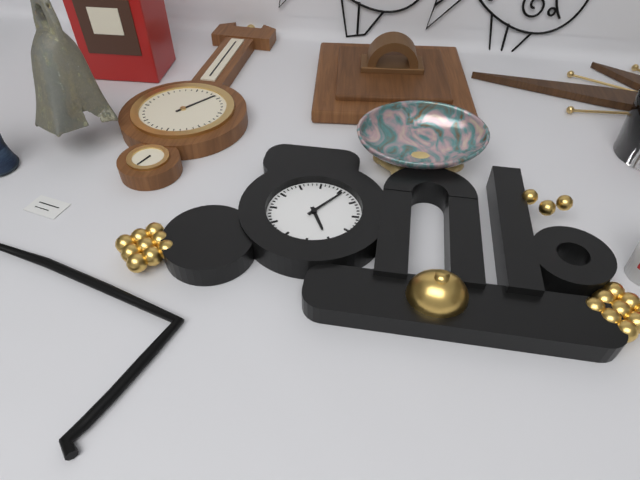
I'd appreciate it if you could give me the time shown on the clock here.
5:06
